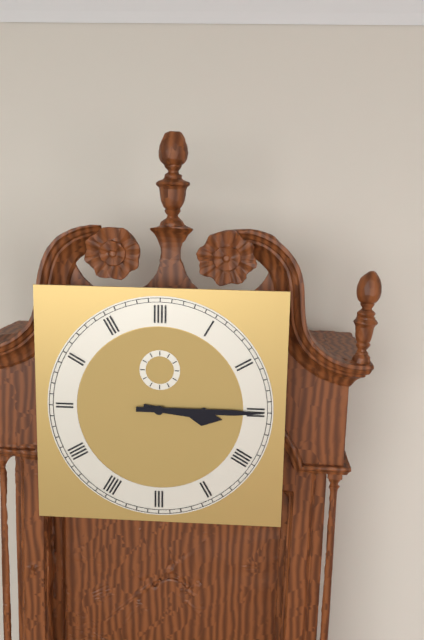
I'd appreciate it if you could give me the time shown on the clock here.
3:15
